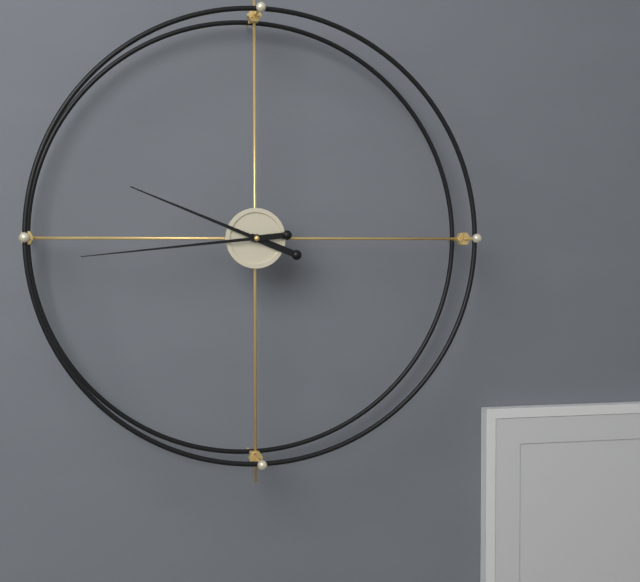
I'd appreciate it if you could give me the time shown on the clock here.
9:44
